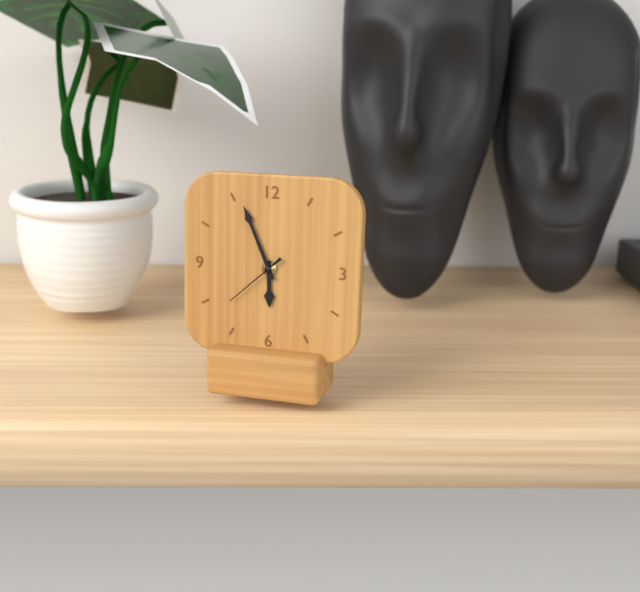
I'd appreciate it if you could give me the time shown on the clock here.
5:56:38
